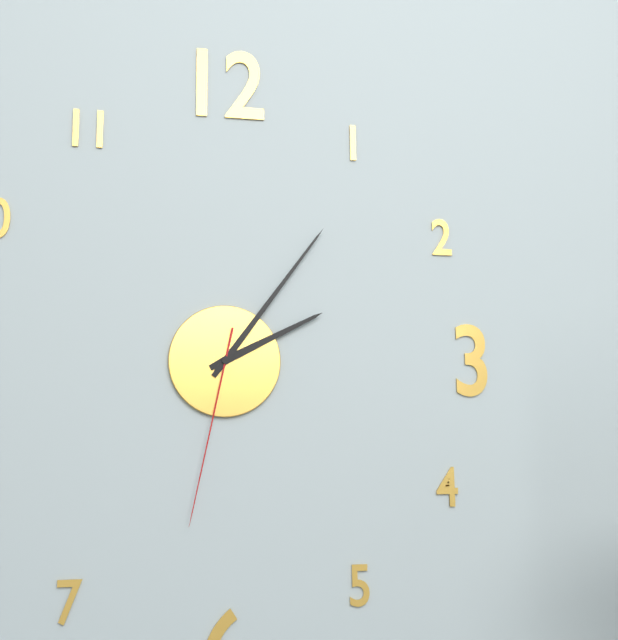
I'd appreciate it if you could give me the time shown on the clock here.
2:06:32
